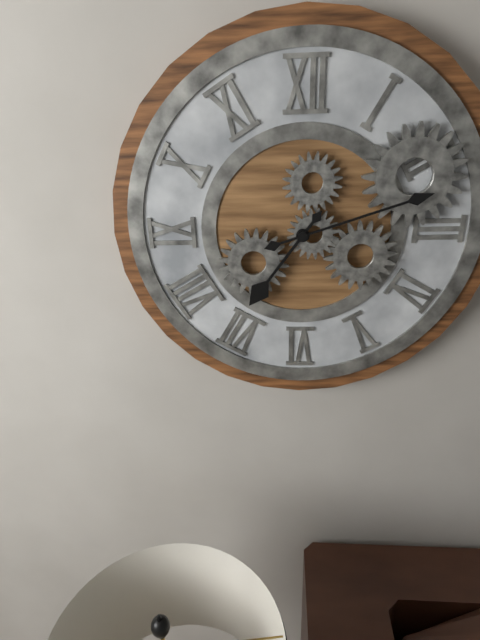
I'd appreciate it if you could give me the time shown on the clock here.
7:12
